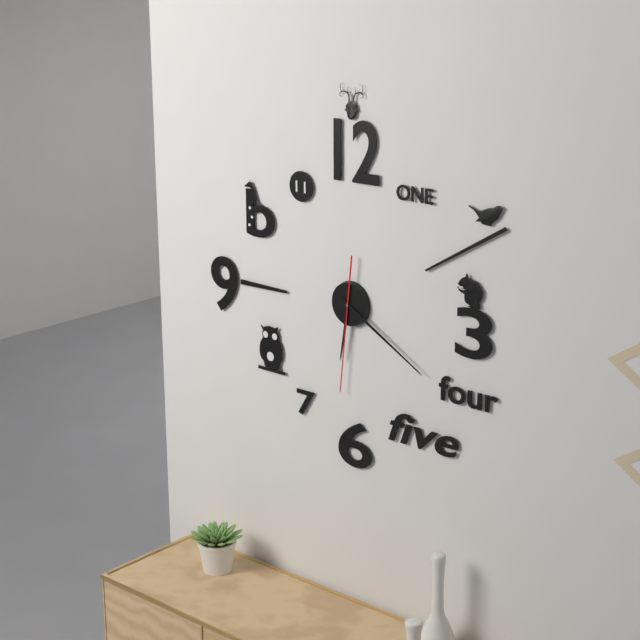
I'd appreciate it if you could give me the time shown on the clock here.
6:20:31
